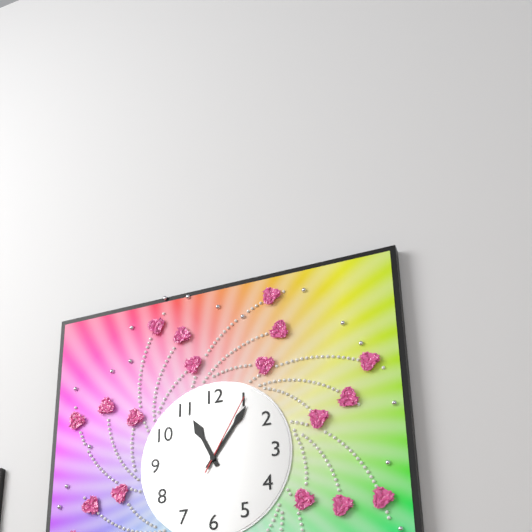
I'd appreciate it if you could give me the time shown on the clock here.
11:06:05
